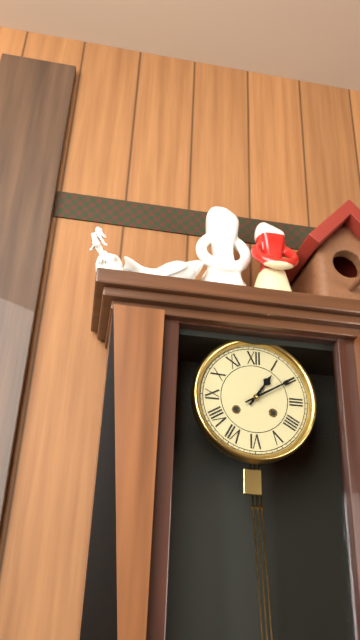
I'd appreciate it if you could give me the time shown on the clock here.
1:10
